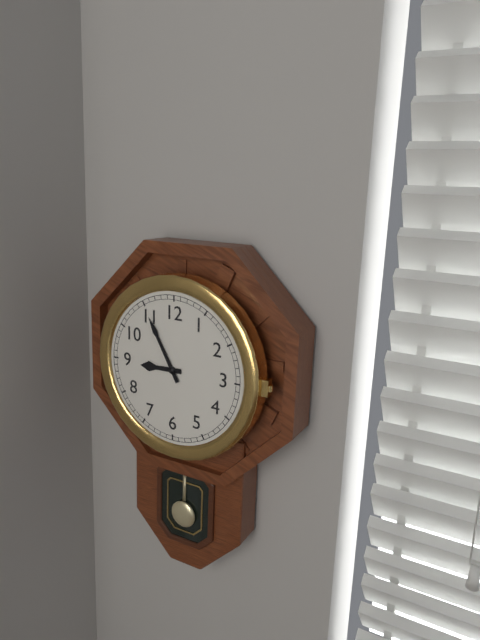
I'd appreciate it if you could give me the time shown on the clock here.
8:55
